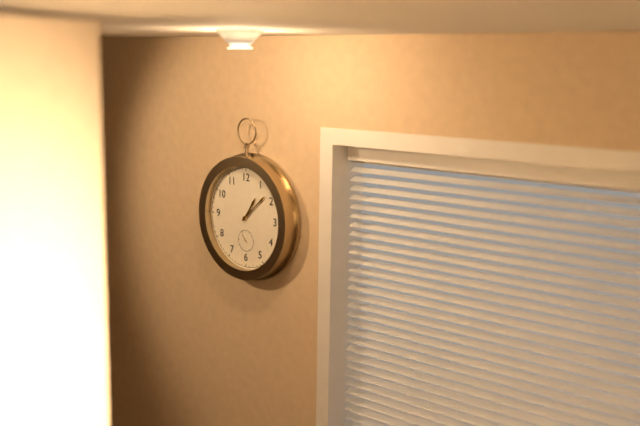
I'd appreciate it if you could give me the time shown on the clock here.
1:08
